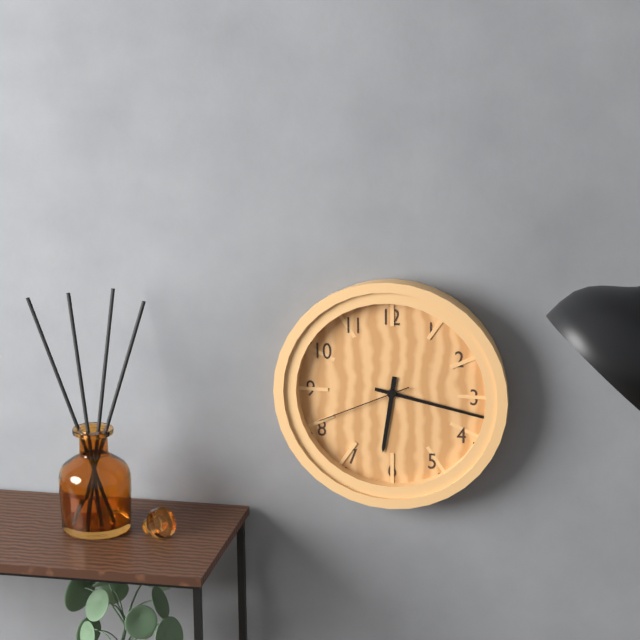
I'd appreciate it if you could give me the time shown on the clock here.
6:17:41
